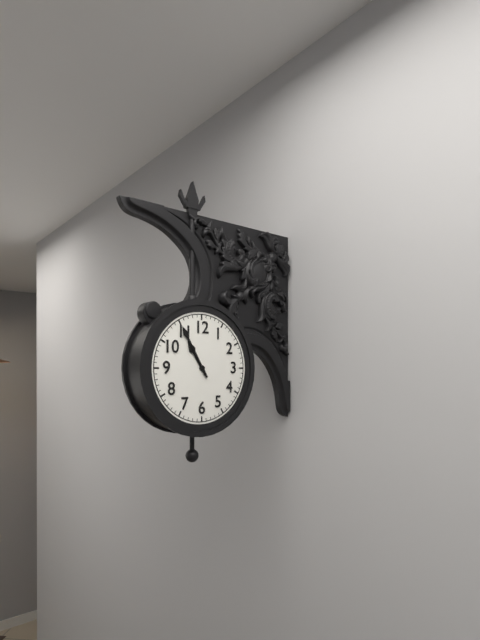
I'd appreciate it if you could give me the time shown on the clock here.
10:55
